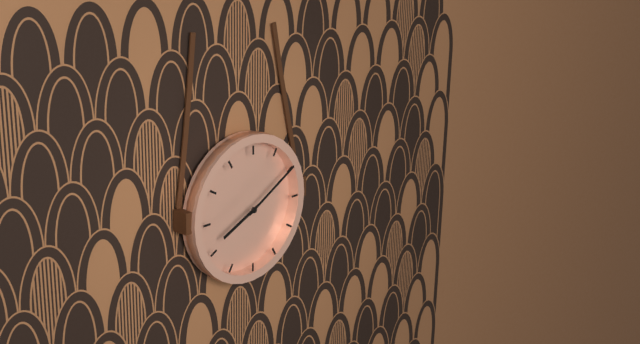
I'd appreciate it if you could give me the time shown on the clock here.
8:10
